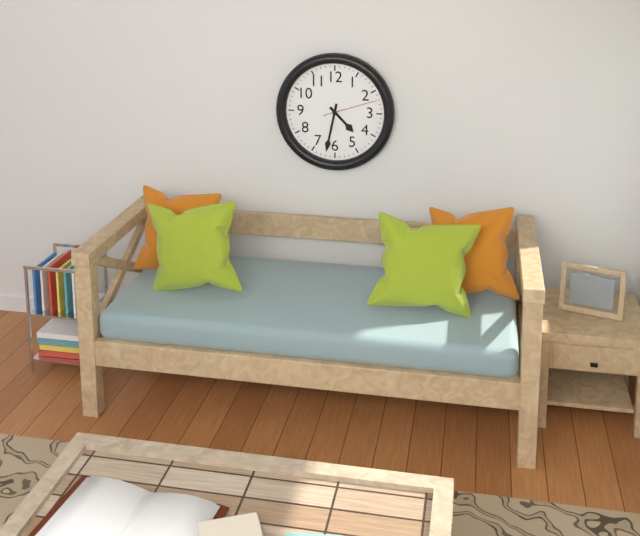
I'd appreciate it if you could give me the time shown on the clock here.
4:32:12
